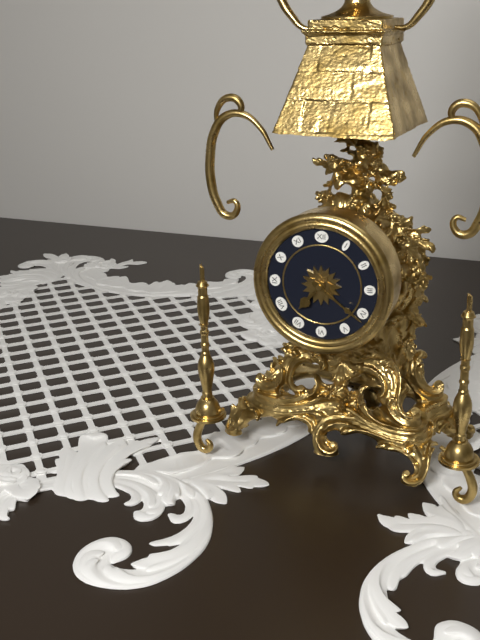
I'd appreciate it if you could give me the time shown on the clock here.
7:21
